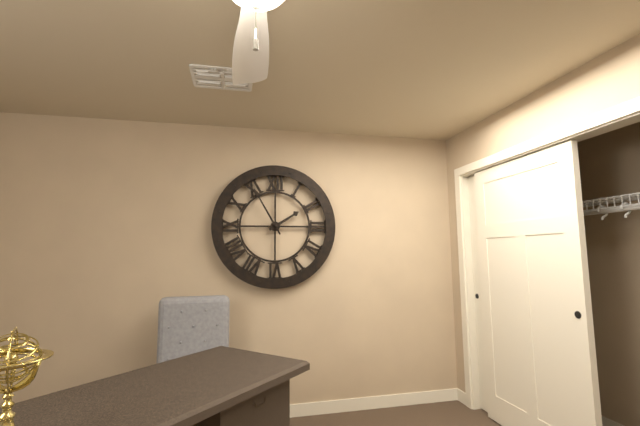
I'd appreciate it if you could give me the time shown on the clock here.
1:55
